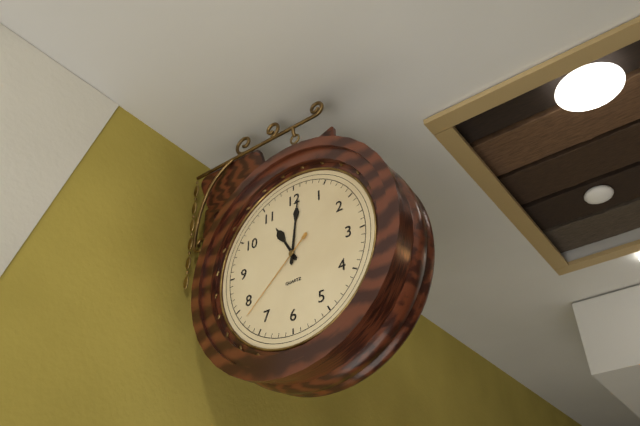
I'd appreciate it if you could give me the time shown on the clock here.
11:01:38
